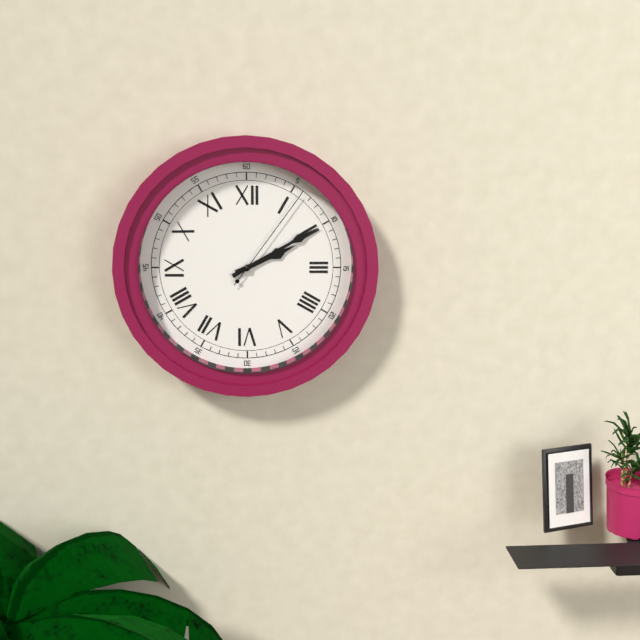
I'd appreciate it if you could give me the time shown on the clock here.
2:10:06
